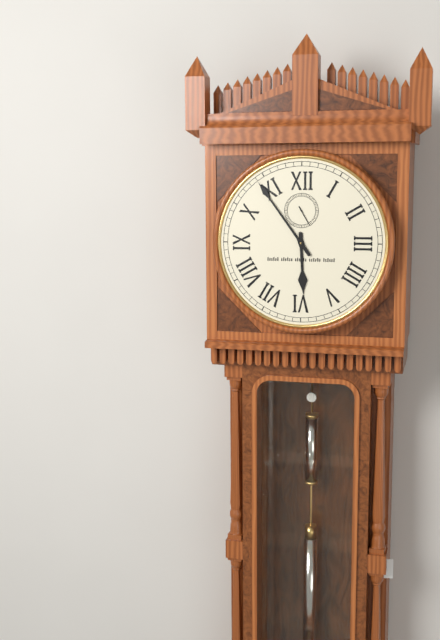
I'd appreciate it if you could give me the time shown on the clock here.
5:54
